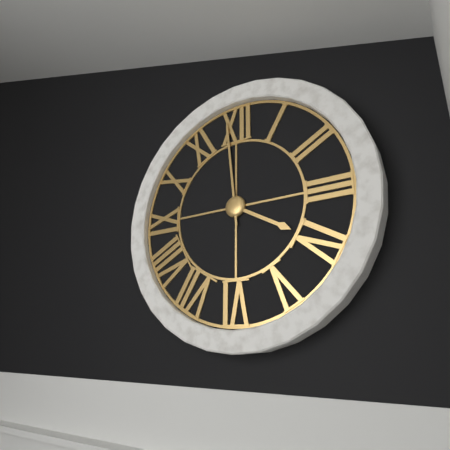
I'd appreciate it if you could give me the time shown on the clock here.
3:59
